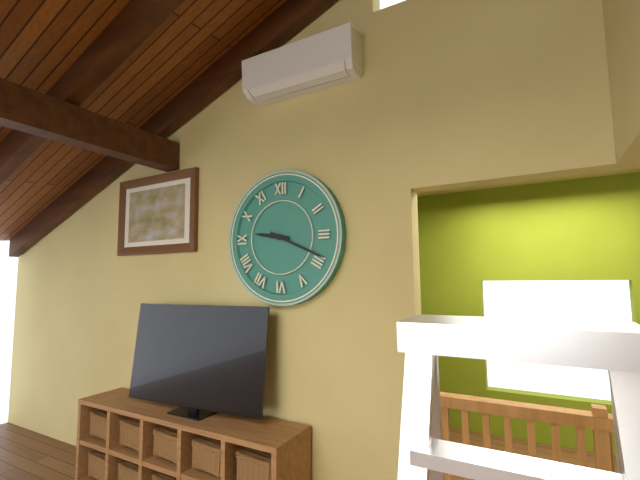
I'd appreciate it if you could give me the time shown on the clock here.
9:19
